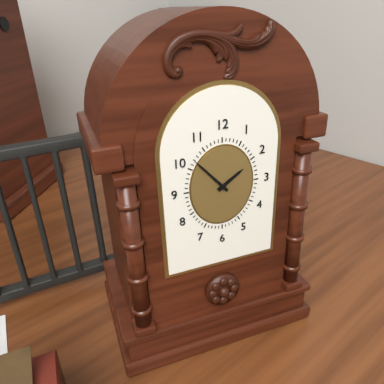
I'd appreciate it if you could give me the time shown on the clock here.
1:53
